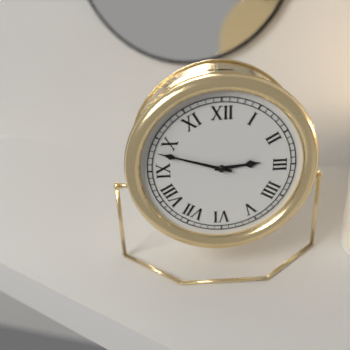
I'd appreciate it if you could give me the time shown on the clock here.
2:48
